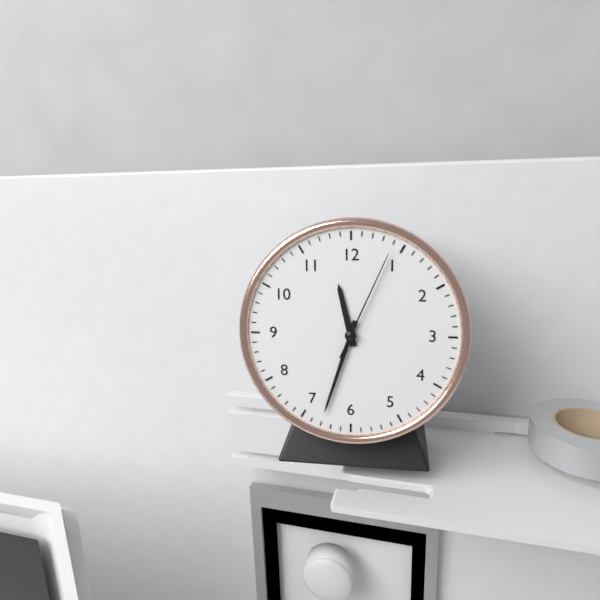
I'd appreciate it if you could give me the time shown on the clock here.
11:33:04
